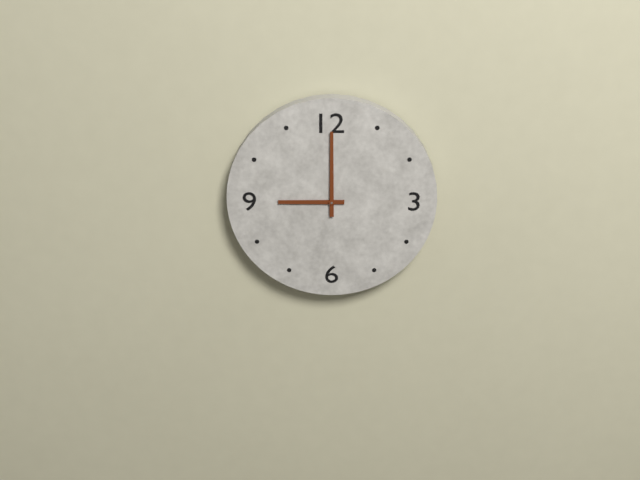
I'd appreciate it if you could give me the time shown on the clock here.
9:00
